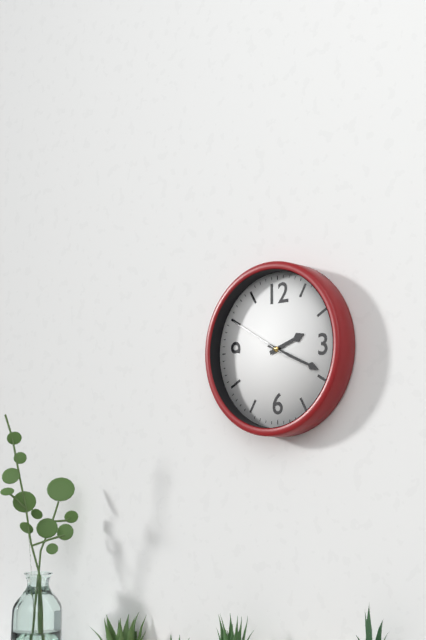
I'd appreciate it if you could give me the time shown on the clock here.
2:19:50
